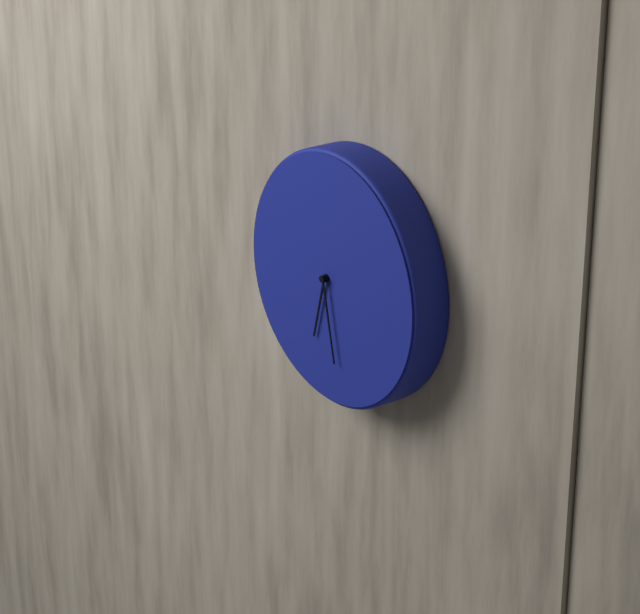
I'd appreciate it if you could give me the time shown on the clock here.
6:28
